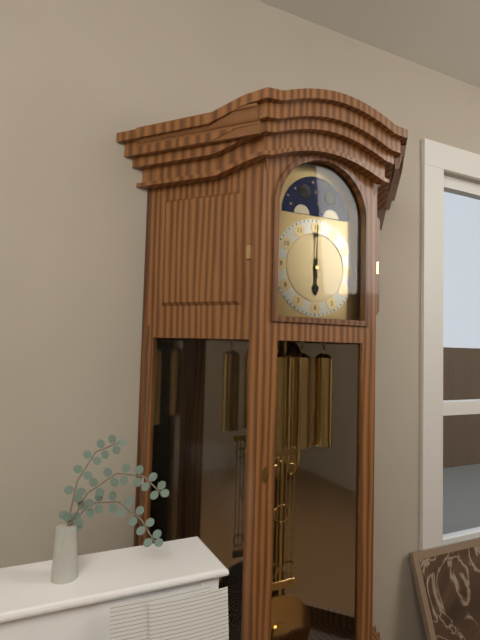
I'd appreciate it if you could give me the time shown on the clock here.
6:00
